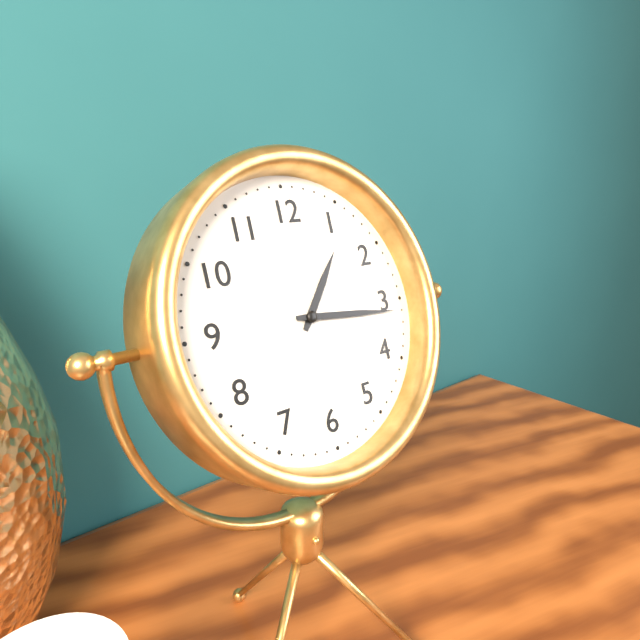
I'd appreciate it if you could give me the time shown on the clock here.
1:16
